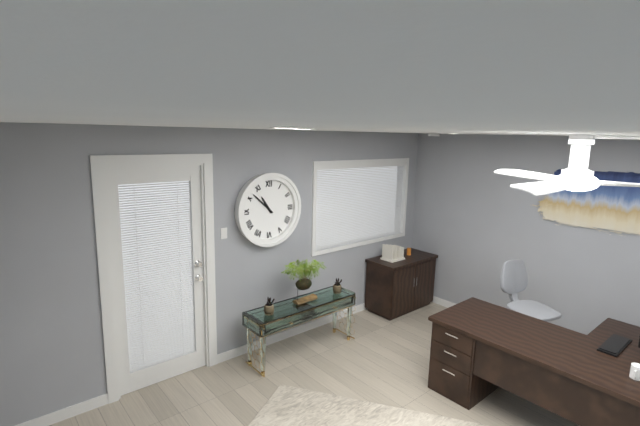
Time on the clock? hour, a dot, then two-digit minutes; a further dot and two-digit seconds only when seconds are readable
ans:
10.52
